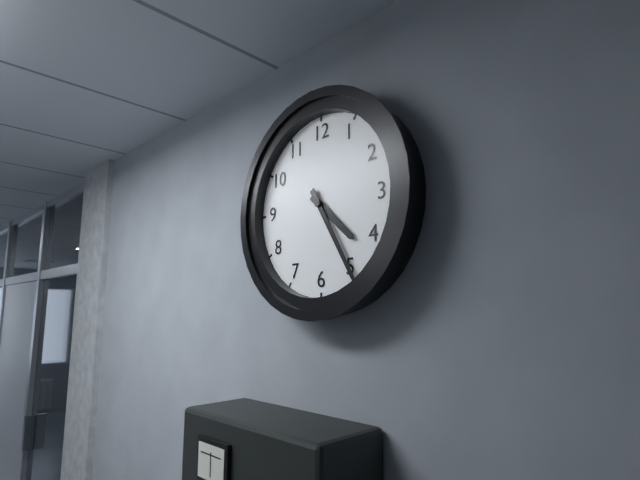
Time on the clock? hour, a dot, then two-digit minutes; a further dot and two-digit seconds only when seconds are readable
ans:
4.25
